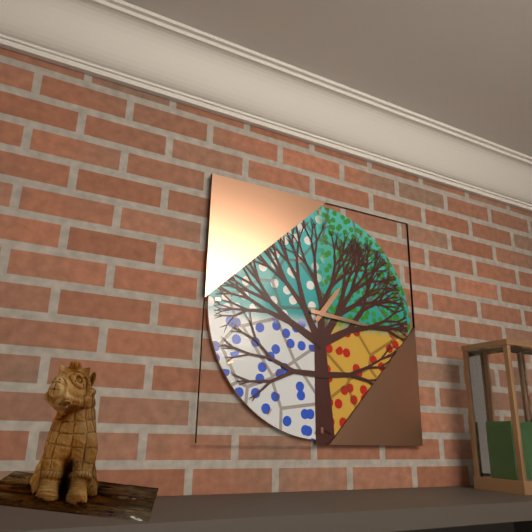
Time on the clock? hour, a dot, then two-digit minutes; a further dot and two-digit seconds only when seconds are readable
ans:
1.16
